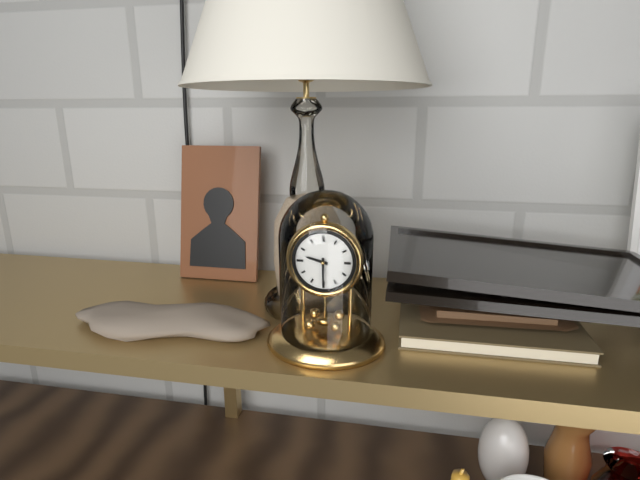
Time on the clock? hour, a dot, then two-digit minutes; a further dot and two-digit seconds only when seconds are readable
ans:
9.30
